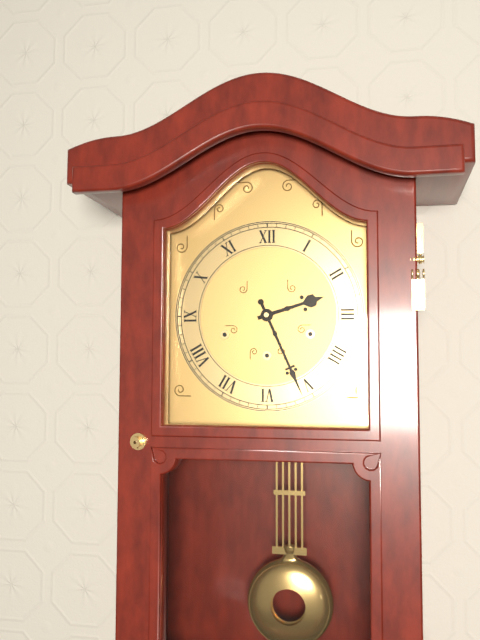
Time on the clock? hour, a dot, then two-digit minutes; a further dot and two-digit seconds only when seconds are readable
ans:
2.26
